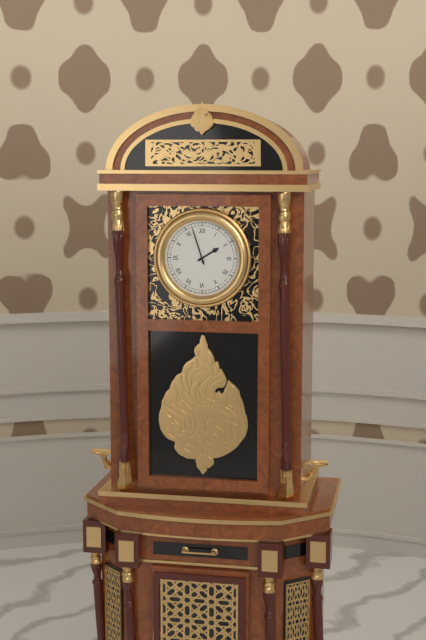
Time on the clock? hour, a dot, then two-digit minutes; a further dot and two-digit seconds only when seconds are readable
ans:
1.57
